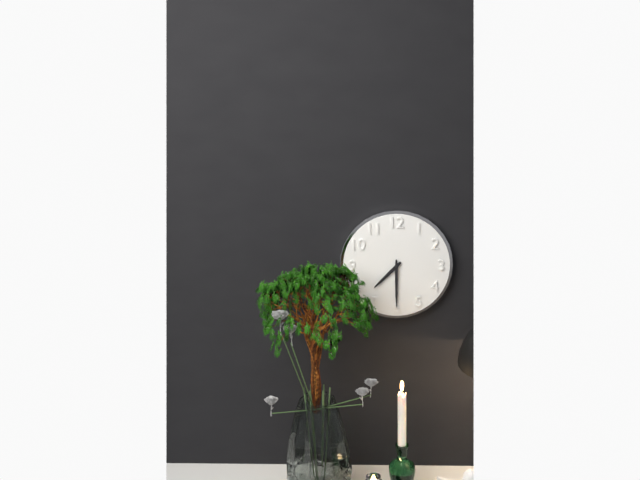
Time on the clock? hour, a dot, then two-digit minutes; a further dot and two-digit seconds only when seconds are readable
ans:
7.30
